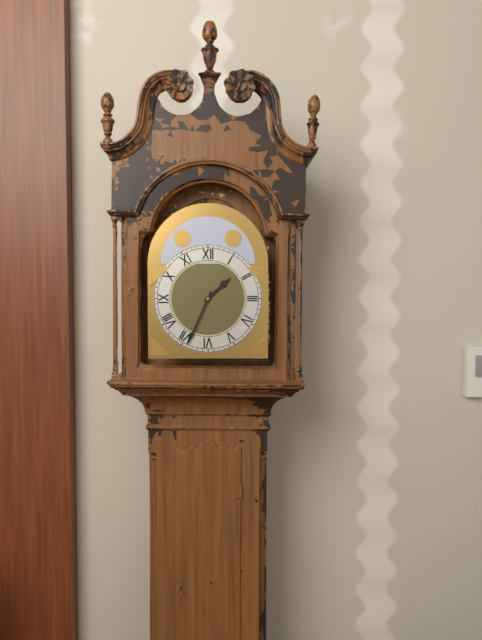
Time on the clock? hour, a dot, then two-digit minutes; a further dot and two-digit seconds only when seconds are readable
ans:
1.34
